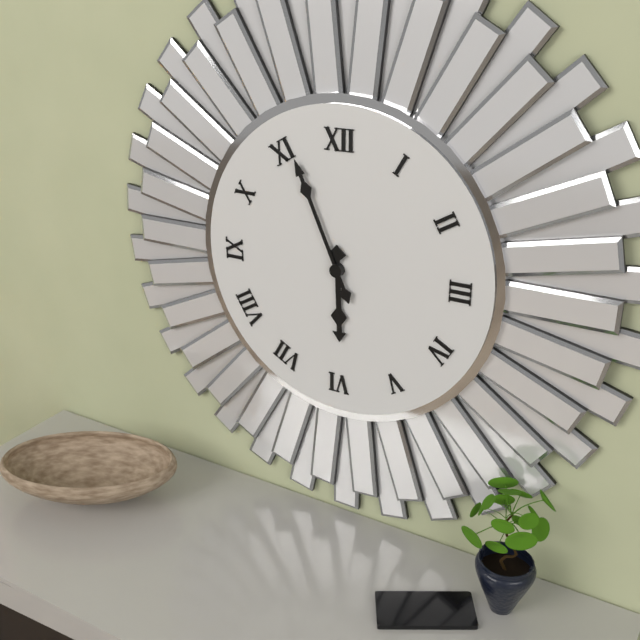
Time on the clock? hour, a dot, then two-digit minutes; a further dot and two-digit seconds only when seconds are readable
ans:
5.56
